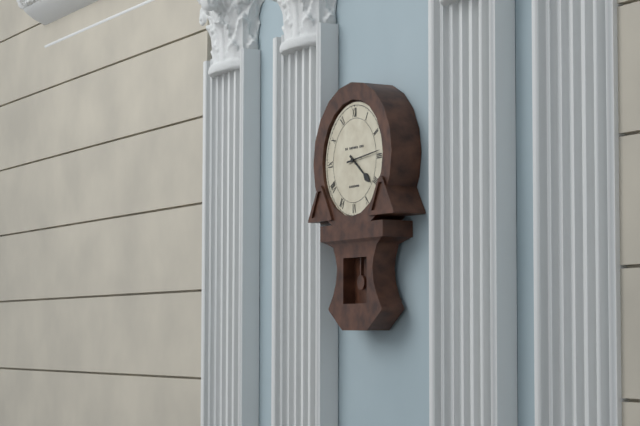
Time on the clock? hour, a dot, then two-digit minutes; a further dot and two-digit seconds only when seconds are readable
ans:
4.14
